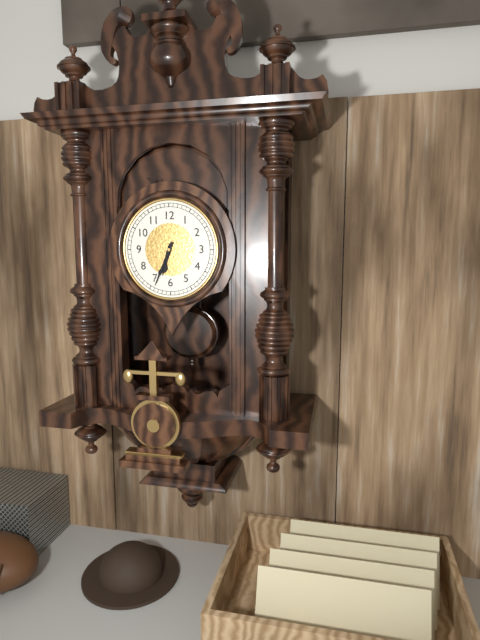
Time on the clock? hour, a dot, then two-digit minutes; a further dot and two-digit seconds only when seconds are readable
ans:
6.34
